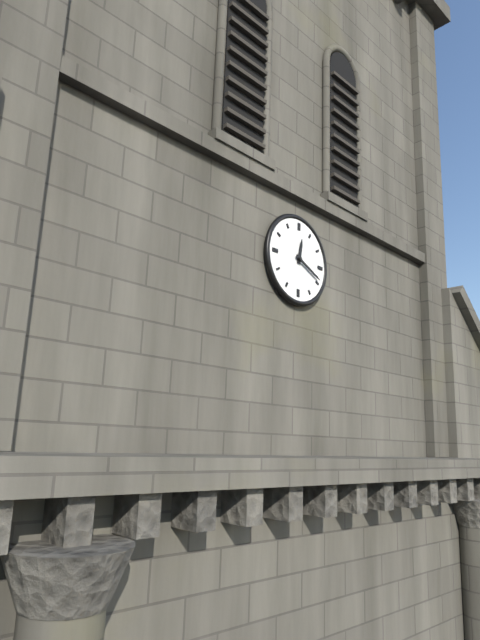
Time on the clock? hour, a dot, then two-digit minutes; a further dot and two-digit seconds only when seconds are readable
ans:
12.19
